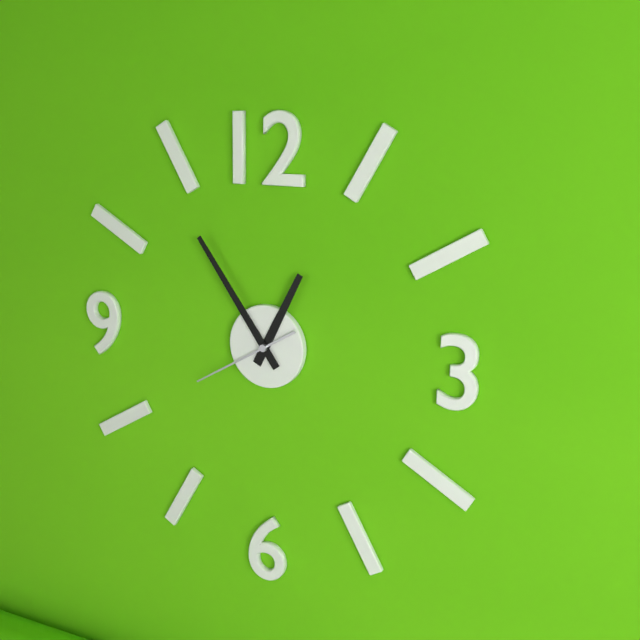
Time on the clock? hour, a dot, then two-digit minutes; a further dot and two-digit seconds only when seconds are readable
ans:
12.54.40
